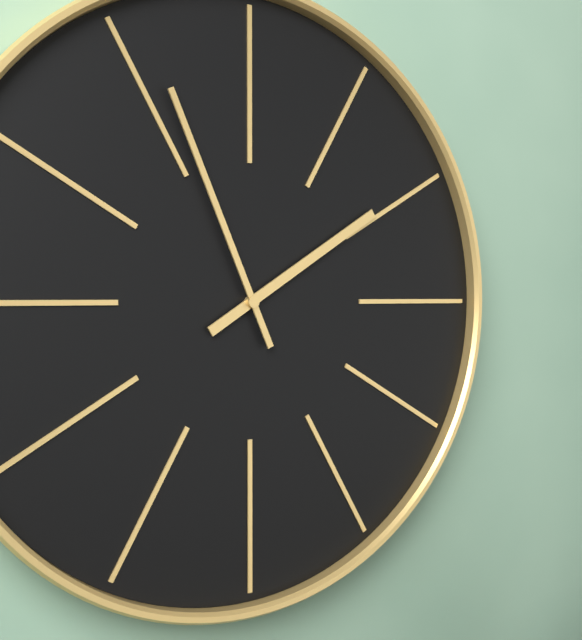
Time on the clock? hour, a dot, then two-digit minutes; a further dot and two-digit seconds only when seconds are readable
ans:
1.56
